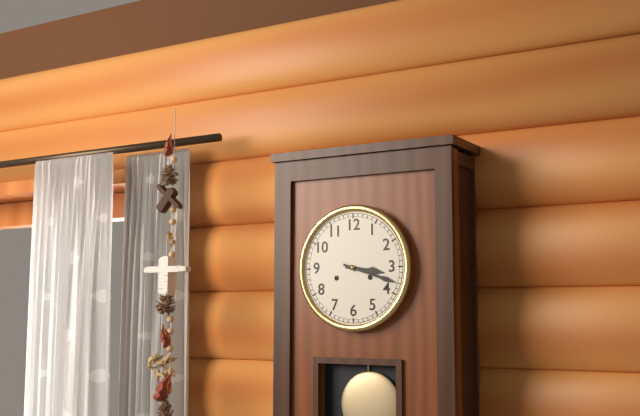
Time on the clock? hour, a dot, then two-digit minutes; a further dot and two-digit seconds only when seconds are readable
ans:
3.18
